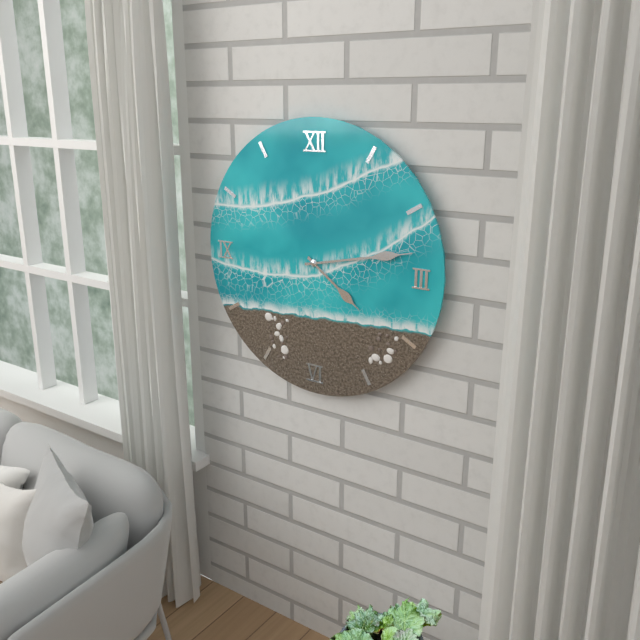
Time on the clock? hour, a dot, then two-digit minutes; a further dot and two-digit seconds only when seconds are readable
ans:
4.13
